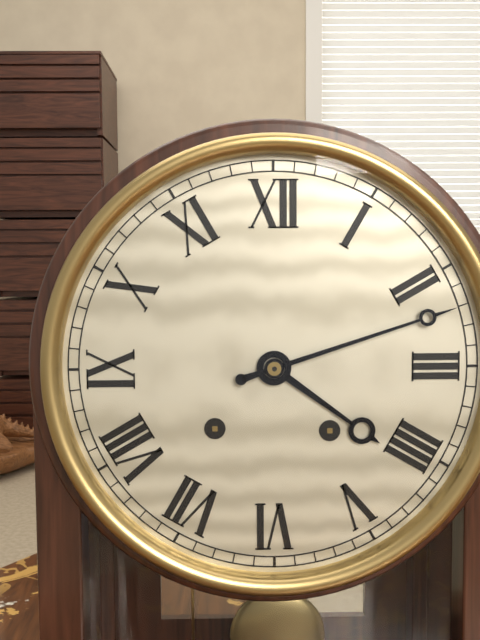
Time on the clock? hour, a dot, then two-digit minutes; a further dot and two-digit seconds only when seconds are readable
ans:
4.12
